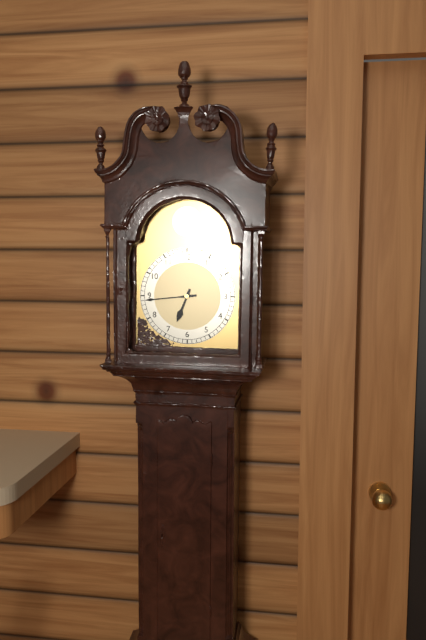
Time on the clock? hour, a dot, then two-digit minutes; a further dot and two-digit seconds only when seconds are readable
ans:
6.44
